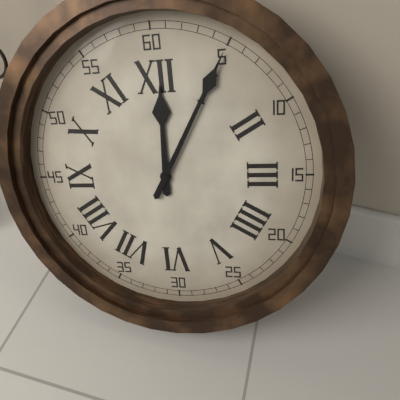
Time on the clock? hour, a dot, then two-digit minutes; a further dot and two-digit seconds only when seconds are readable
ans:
12.05
